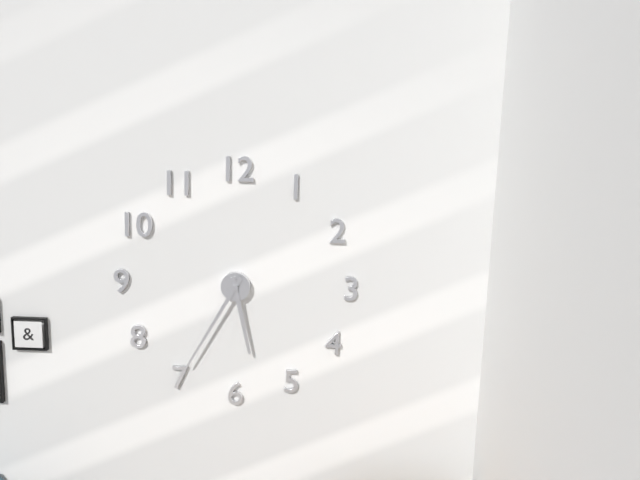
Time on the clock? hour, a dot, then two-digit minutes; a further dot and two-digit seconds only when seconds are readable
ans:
5.35
